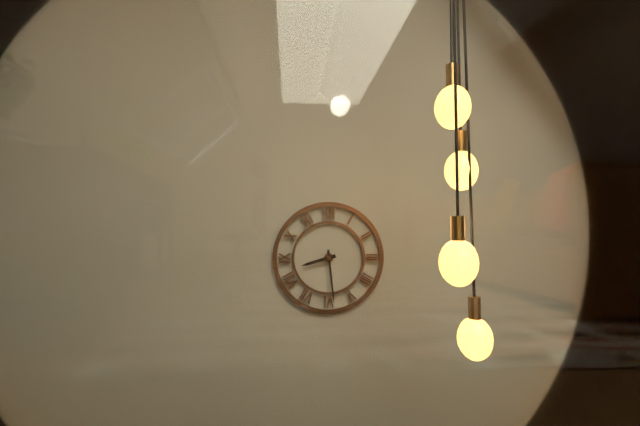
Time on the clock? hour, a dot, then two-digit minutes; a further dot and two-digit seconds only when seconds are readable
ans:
8.29
